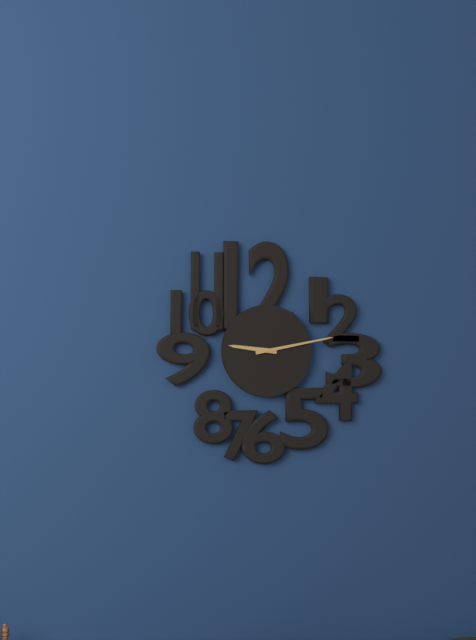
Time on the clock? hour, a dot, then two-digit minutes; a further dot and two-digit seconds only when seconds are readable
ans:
9.13
